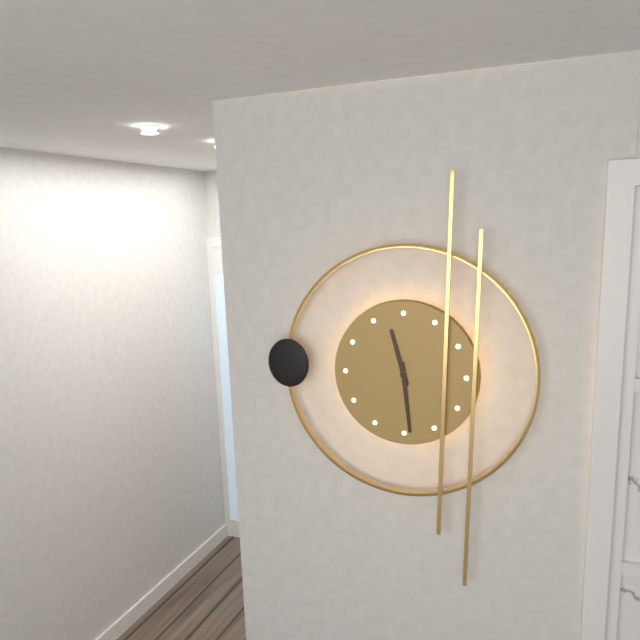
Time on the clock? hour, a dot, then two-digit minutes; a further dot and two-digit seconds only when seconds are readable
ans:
11.29
